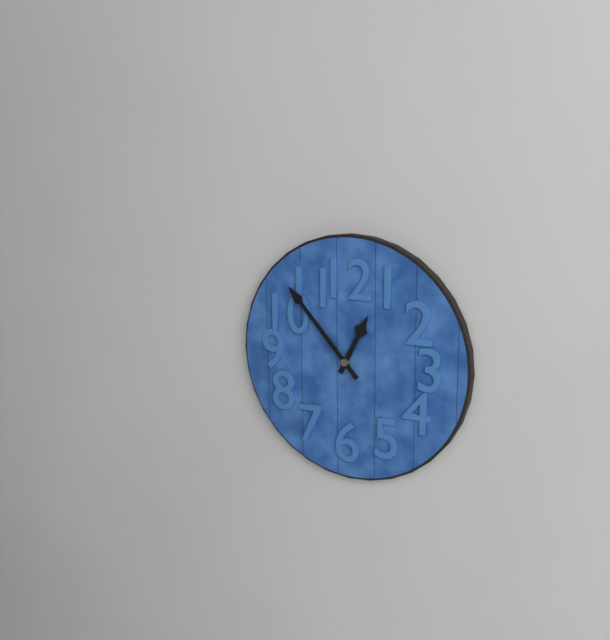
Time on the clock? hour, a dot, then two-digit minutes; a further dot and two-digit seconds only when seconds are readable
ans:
12.53
